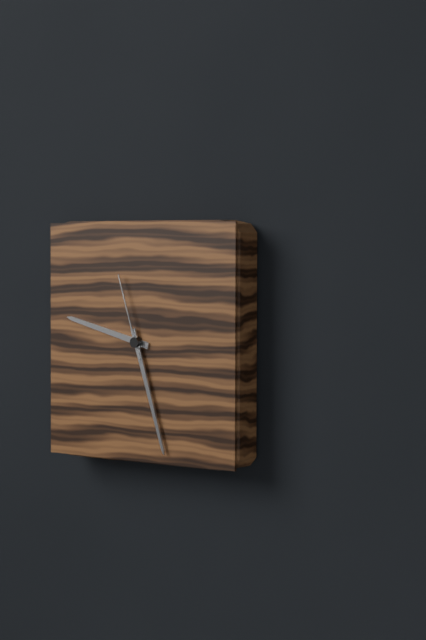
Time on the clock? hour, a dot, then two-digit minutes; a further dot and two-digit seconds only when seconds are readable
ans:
9.27.57
